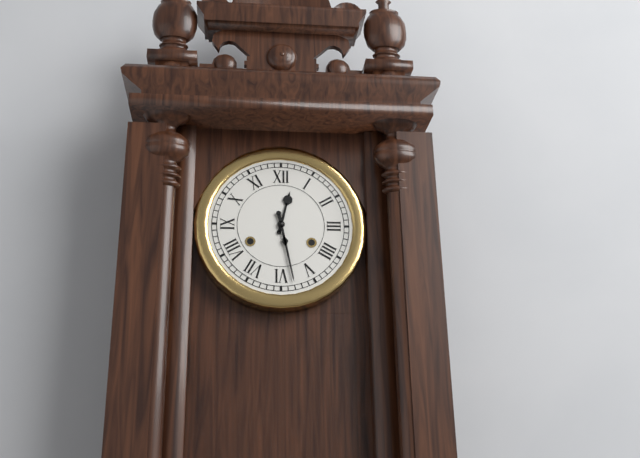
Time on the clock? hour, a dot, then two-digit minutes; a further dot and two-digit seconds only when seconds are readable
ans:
12.28
